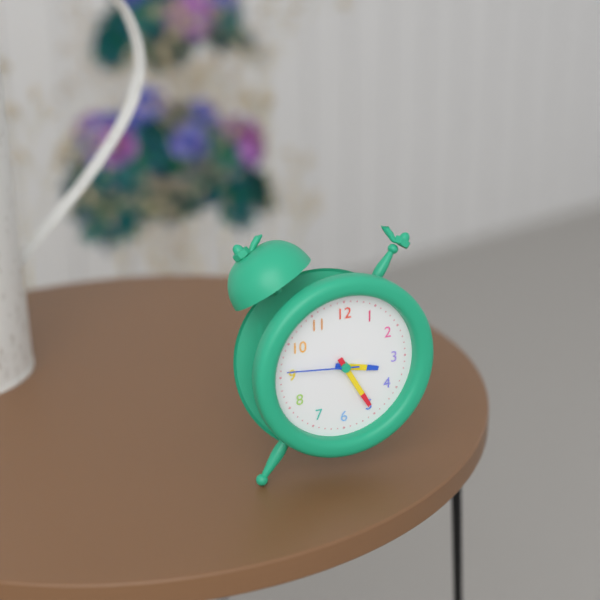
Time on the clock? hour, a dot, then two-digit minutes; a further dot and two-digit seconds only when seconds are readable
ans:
3.25.46
